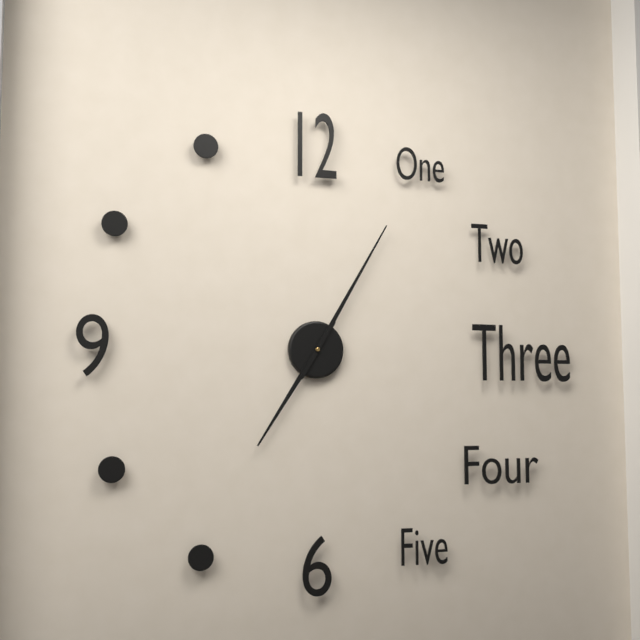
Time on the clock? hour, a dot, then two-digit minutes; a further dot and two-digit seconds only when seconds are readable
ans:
7.05
